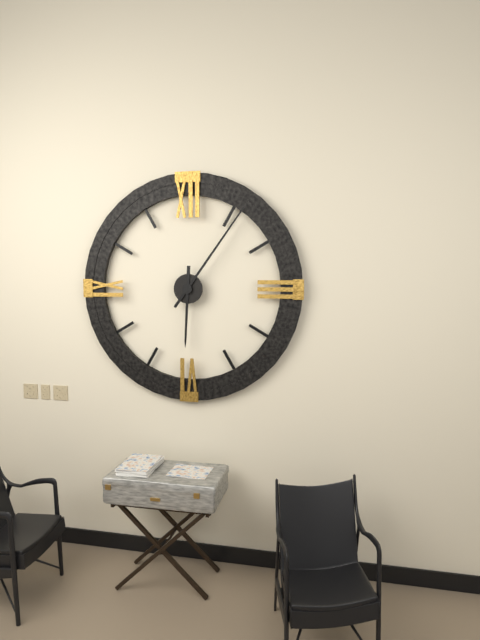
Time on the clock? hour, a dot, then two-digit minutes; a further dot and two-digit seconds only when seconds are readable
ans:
6.06
